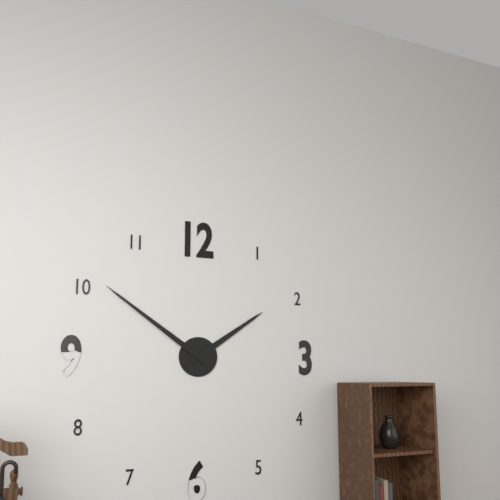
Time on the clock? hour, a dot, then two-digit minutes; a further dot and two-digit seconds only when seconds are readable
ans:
1.51
